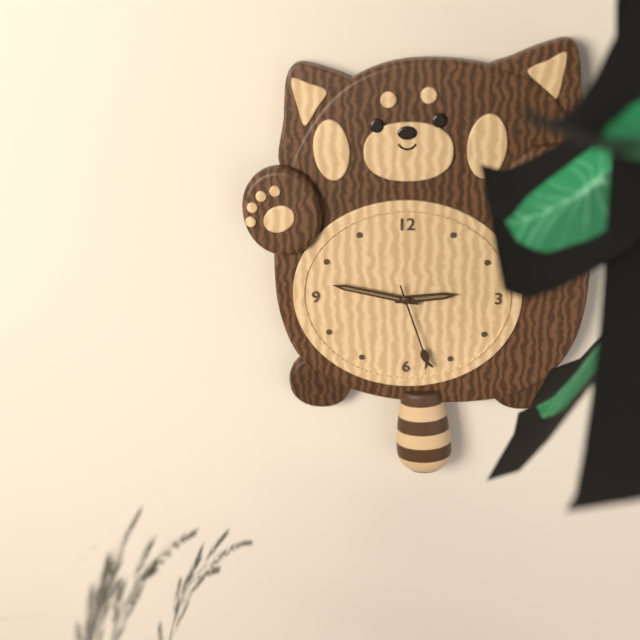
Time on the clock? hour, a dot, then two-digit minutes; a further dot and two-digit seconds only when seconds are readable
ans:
2.47.27
